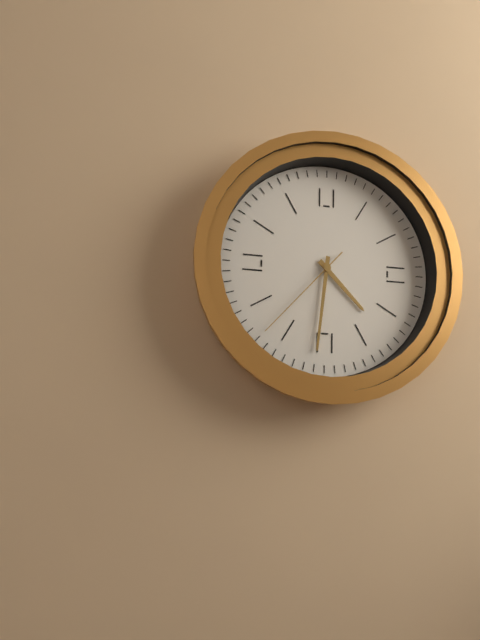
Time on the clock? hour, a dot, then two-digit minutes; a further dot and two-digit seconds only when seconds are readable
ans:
4.31.37
